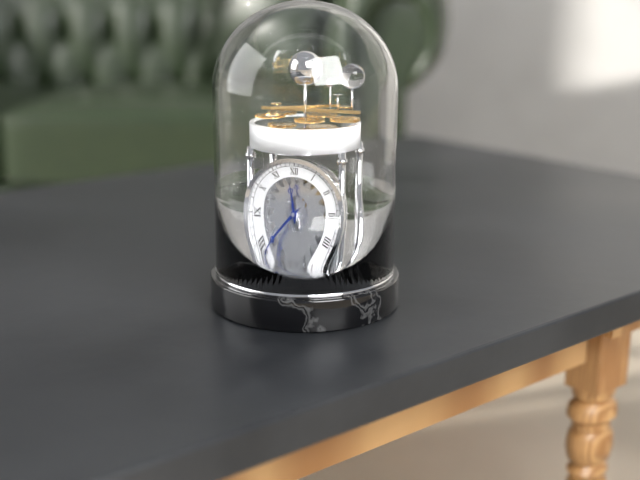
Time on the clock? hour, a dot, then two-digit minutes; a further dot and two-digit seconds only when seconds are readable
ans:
11.39
